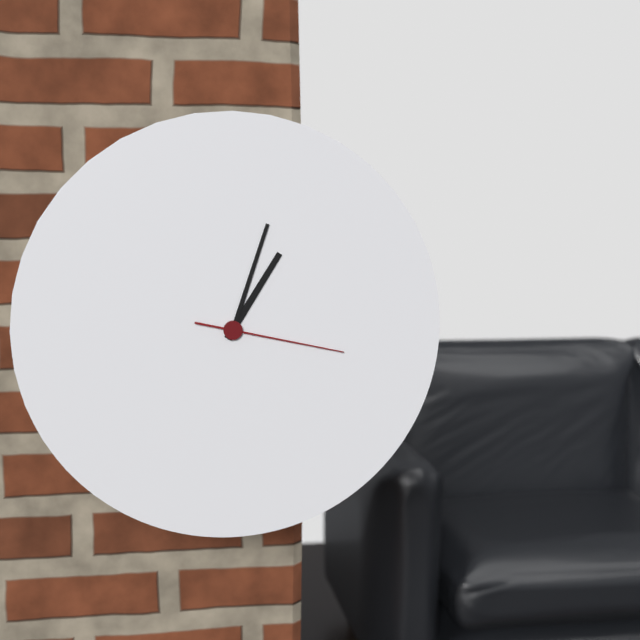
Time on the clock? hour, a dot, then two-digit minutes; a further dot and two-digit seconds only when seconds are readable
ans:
1.03.17
